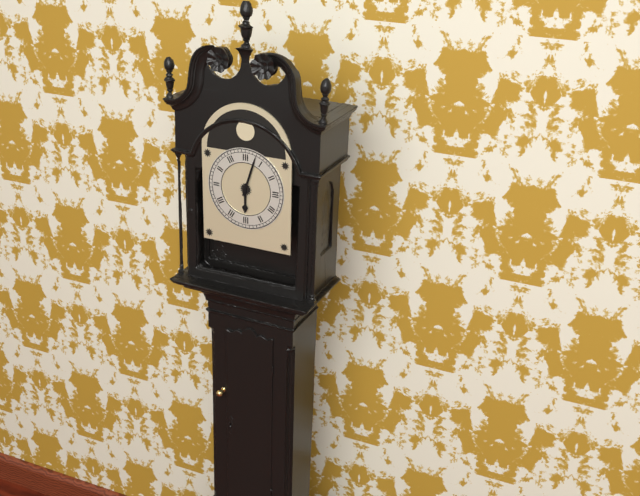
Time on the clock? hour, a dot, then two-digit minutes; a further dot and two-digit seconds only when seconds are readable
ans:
6.03
